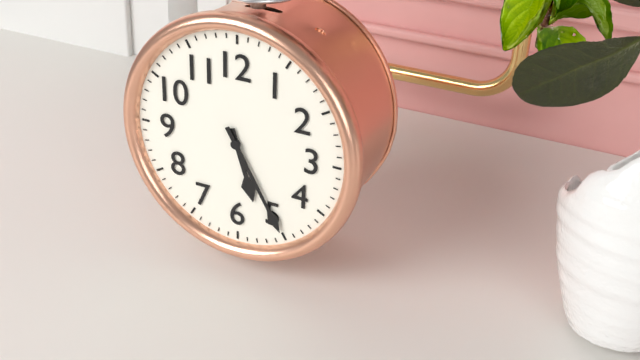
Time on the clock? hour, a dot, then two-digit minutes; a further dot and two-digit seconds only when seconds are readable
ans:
5.25
